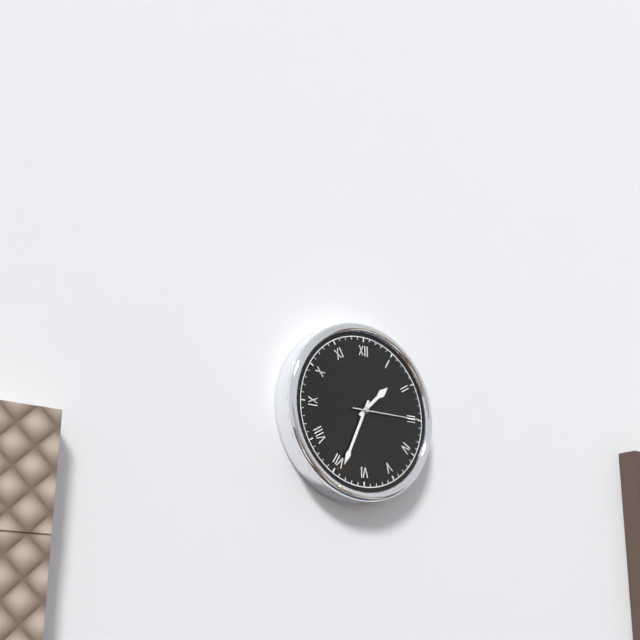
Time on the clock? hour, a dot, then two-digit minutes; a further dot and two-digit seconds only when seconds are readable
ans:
1.34.15
